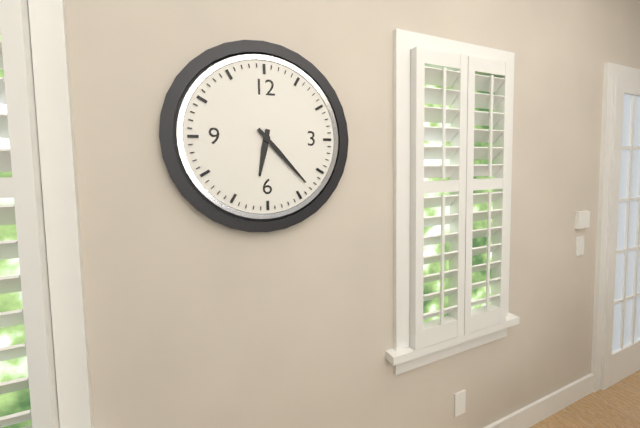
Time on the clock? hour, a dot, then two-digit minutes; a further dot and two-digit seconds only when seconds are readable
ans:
6.23
